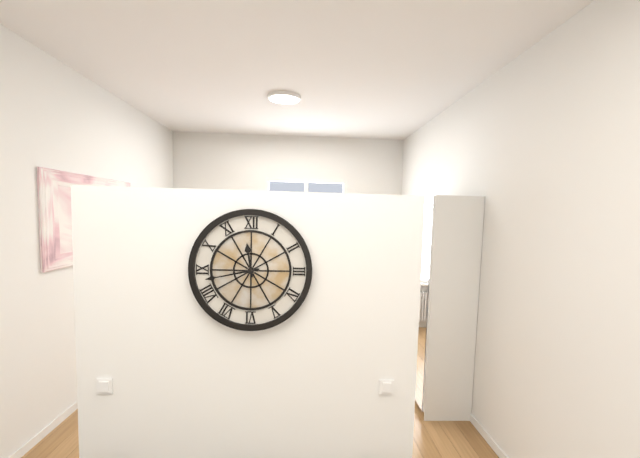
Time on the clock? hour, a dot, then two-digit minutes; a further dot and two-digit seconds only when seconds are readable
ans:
11.43
